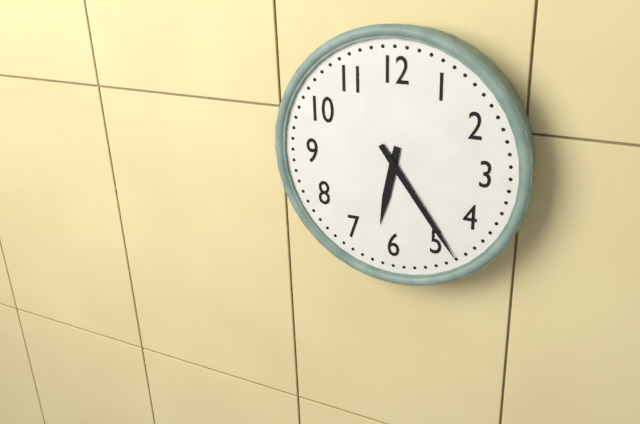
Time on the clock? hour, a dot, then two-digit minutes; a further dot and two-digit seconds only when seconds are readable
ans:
6.24
